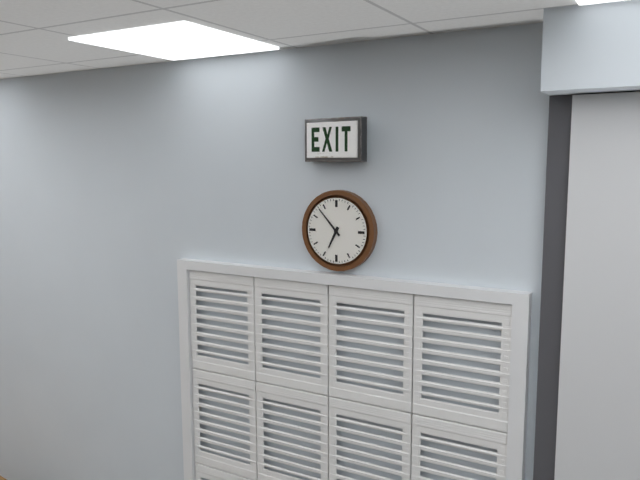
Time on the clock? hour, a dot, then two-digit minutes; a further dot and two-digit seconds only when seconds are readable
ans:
6.53
